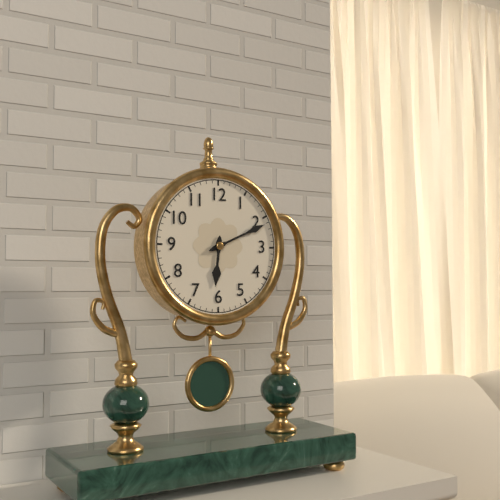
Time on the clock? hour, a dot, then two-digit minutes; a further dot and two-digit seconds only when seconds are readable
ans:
6.11
